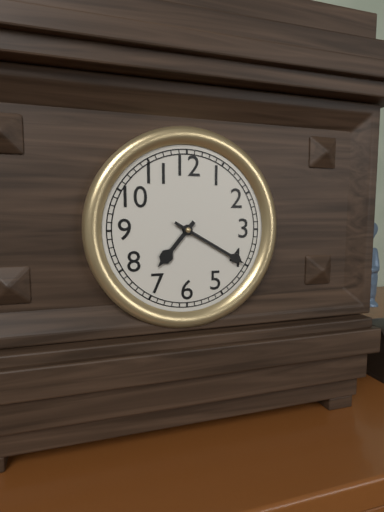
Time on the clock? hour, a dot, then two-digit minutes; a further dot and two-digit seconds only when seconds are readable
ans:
7.20
